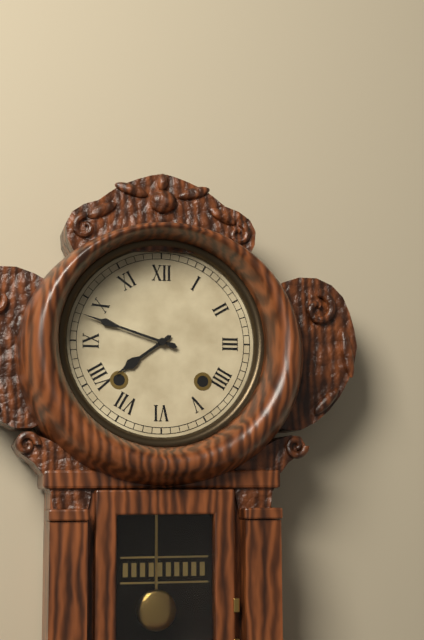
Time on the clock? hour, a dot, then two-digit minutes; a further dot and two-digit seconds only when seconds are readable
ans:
7.48
